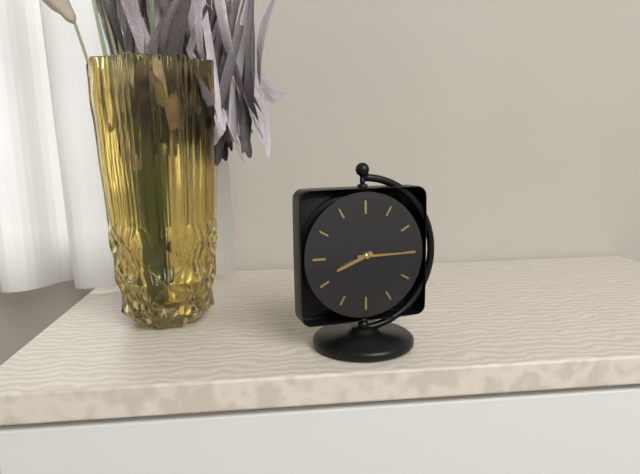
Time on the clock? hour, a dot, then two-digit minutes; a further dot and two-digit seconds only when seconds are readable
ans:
8.15
